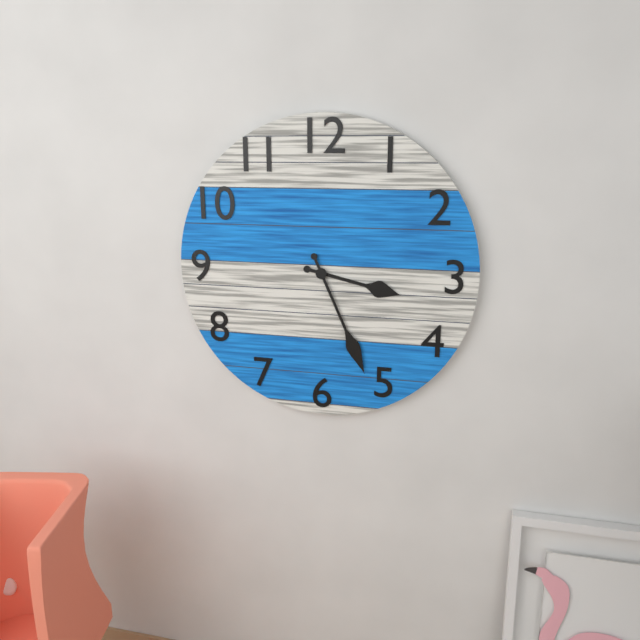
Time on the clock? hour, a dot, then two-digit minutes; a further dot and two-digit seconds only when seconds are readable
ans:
3.26
